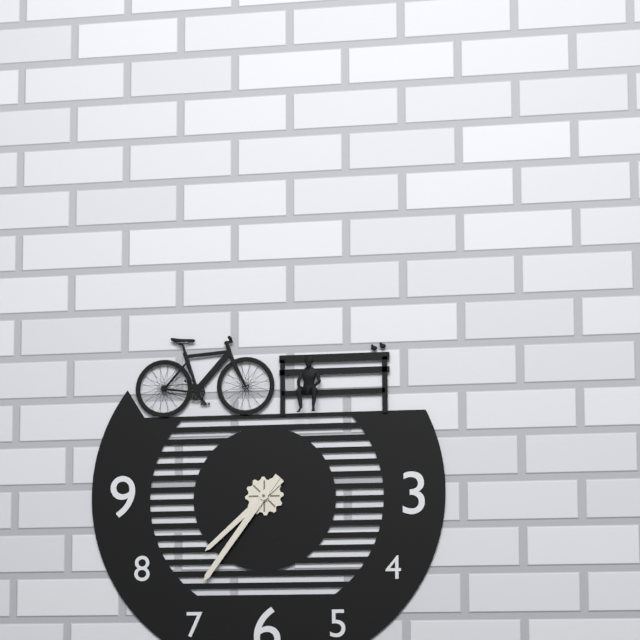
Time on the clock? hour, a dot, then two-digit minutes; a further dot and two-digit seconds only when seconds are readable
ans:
7.36
